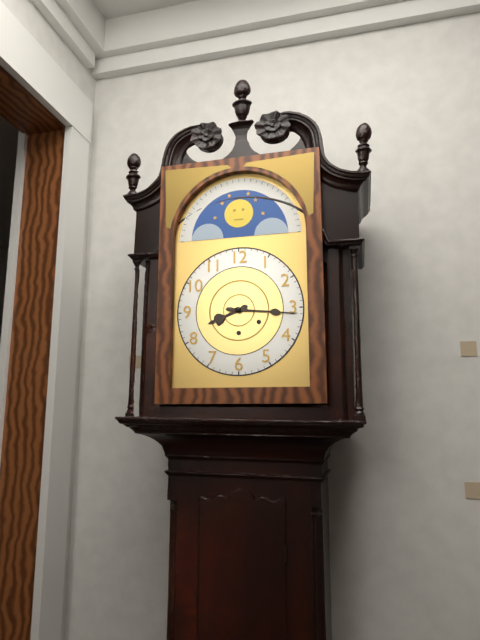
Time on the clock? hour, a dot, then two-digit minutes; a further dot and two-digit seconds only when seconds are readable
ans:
8.16
